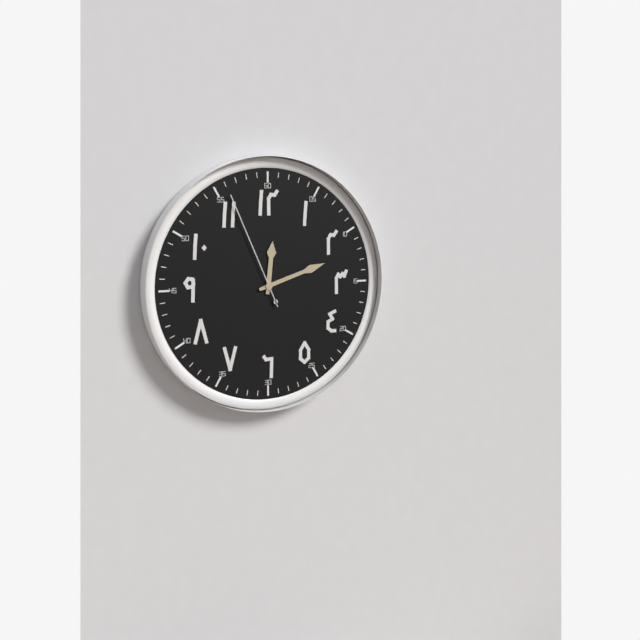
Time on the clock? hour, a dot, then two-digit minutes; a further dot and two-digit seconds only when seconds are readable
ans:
12.12.56
